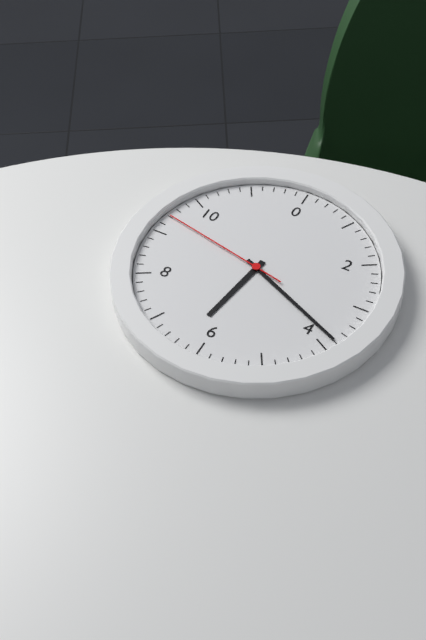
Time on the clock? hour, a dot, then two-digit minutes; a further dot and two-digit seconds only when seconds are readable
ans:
6.19.47
